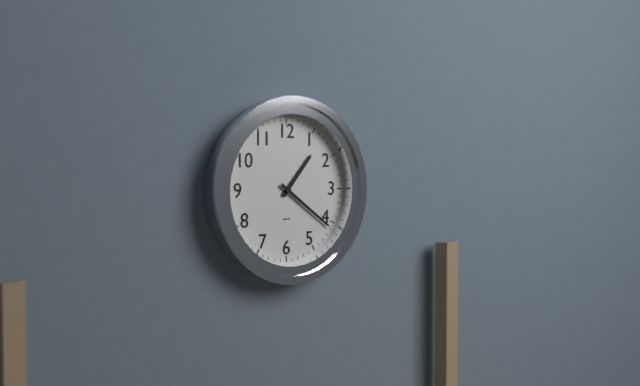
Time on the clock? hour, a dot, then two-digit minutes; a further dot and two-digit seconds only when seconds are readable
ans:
1.21
